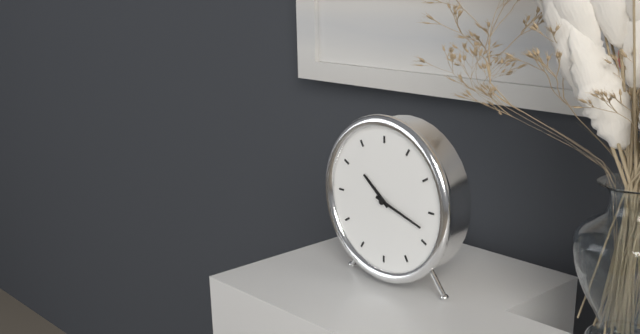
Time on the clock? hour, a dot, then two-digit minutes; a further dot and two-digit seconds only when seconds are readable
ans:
10.18
